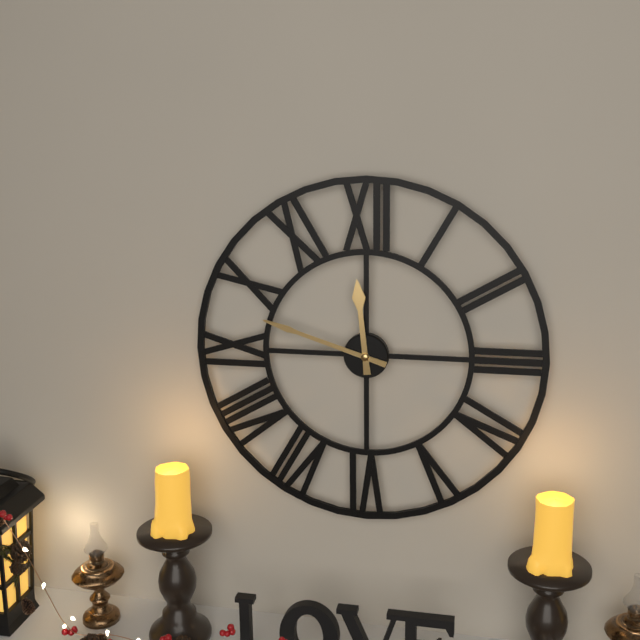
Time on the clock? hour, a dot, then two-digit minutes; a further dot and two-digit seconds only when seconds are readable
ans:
11.48
